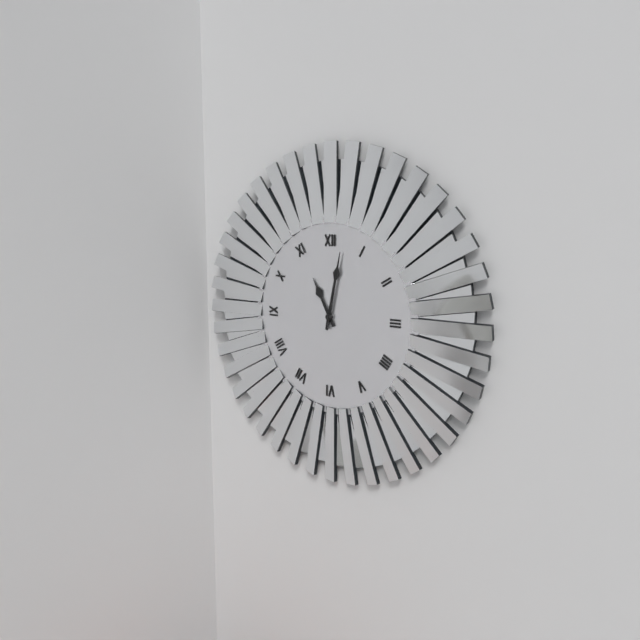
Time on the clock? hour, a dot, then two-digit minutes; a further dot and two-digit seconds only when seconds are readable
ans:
11.02
